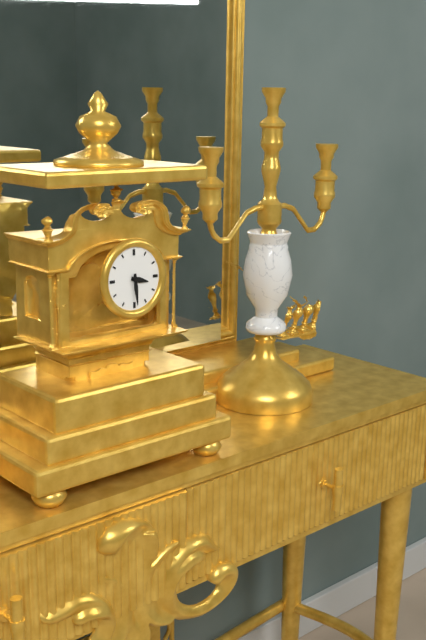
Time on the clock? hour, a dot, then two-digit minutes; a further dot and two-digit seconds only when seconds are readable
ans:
3.29
